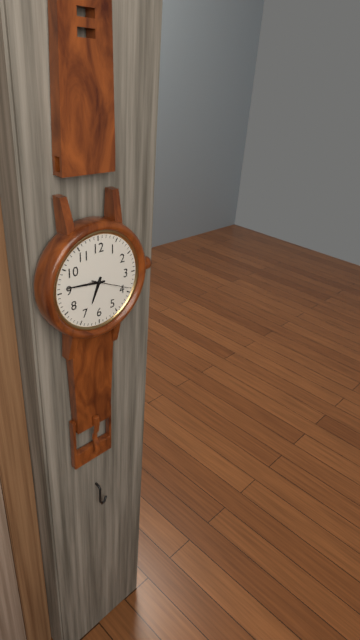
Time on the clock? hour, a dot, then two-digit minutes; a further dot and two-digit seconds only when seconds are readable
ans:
6.46
